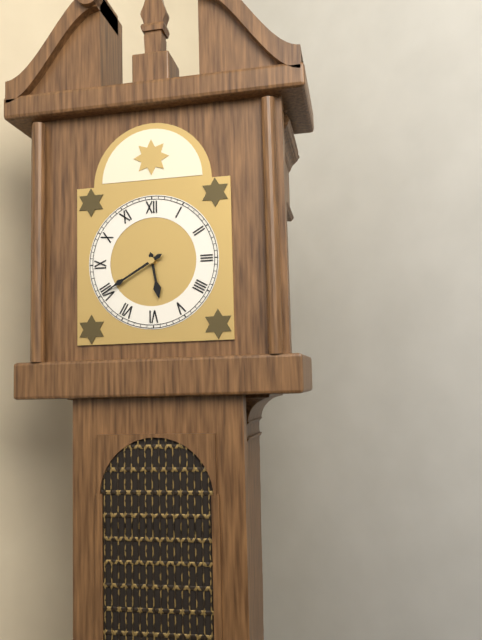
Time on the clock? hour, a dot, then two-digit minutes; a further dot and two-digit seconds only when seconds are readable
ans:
5.40
